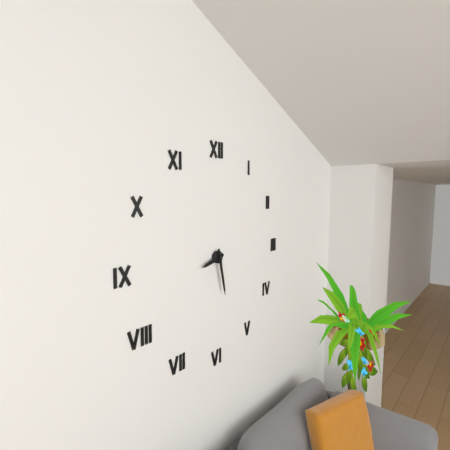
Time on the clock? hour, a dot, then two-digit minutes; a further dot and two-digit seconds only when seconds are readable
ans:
8.28
